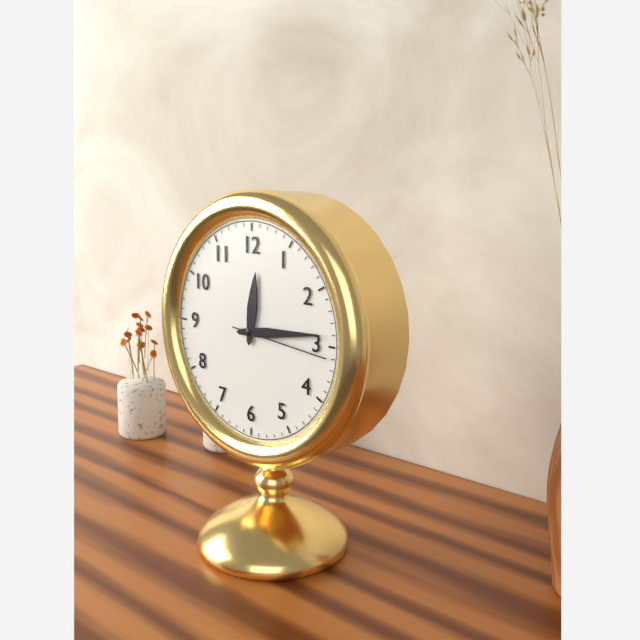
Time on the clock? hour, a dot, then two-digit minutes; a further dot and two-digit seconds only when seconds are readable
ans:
12.14.16
